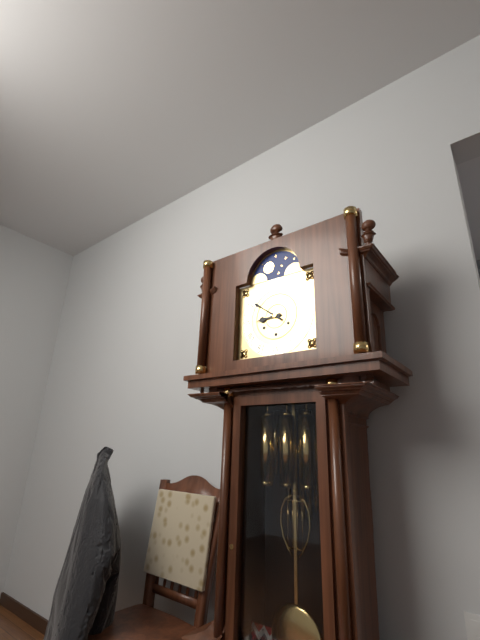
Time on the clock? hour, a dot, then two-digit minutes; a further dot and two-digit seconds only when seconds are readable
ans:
8.51
